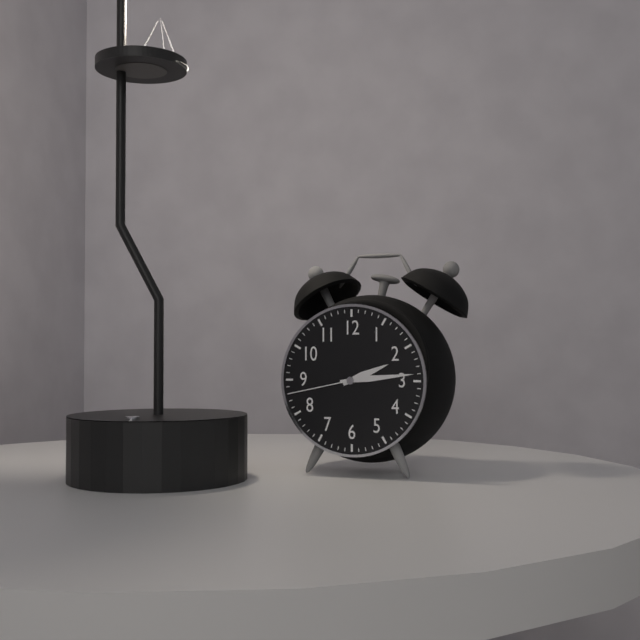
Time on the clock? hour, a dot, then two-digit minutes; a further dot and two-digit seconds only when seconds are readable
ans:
2.14.43
